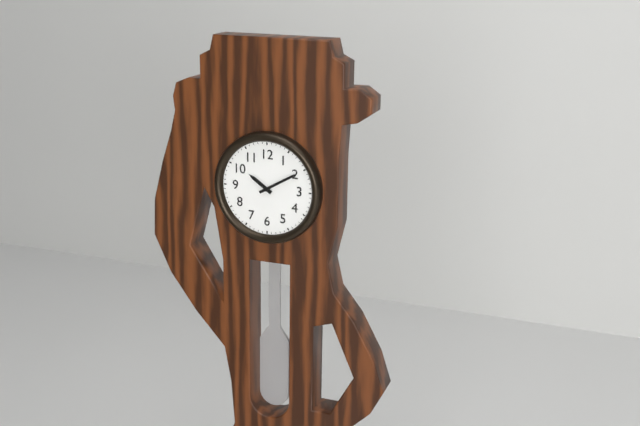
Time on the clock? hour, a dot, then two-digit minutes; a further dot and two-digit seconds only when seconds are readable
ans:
10.10
